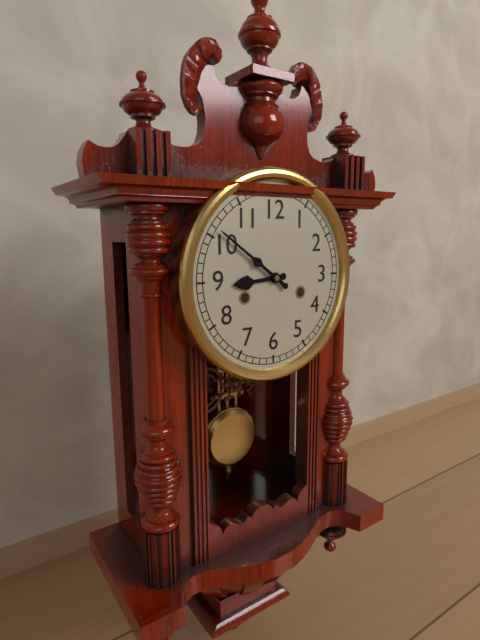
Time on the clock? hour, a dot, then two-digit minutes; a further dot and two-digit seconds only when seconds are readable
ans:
8.51
